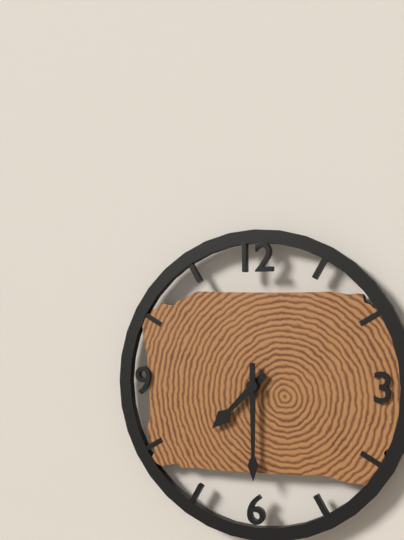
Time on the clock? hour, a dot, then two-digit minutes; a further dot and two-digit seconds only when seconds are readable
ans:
7.30
